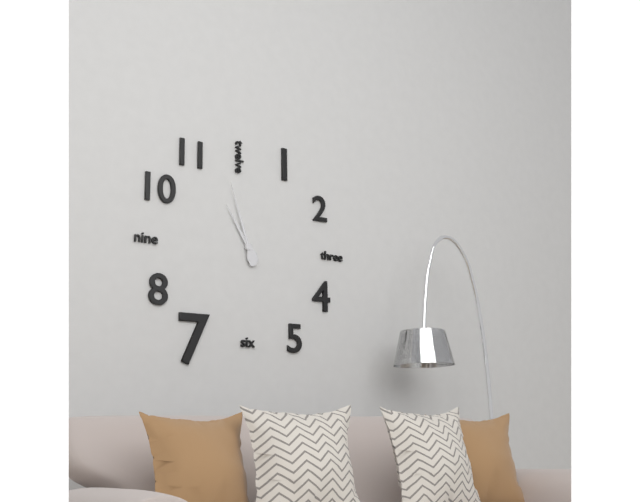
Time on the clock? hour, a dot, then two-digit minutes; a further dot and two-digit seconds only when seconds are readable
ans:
10.57
